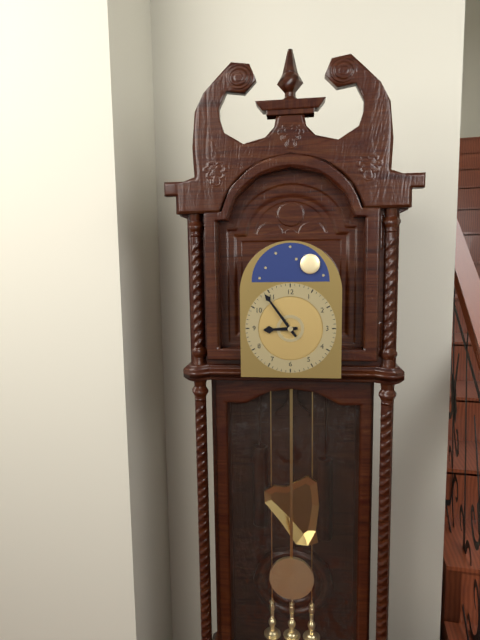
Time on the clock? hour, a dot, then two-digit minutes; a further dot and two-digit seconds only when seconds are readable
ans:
8.54
